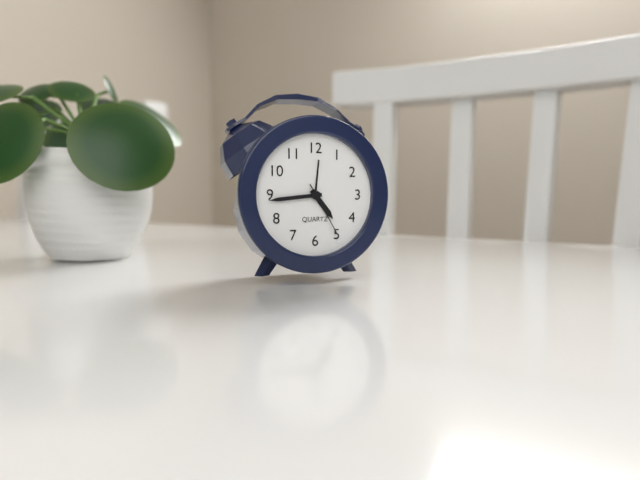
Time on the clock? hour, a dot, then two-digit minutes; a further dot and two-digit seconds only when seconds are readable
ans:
4.44.25
